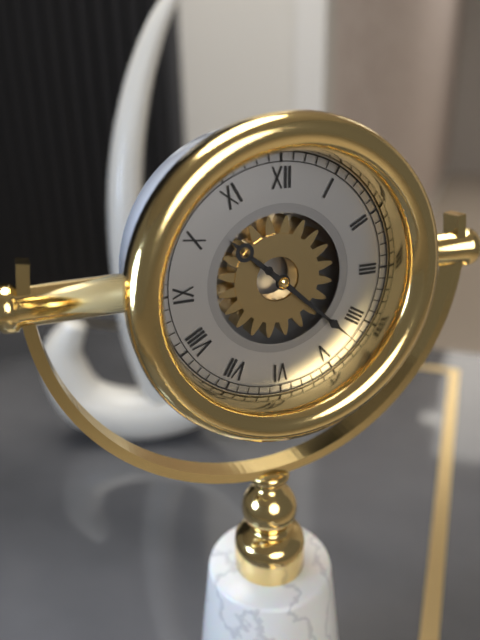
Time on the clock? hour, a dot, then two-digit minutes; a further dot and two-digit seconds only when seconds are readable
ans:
10.22
